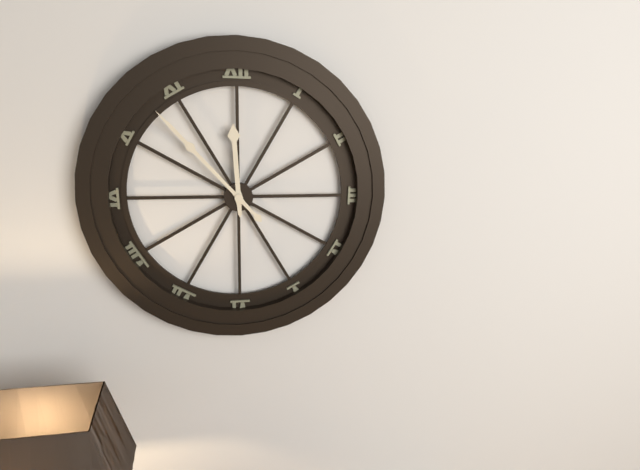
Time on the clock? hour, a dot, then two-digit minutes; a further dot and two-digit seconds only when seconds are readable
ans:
11.53
